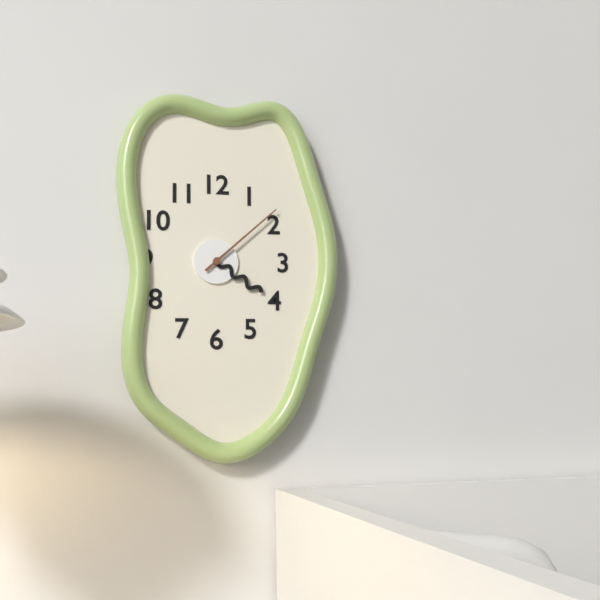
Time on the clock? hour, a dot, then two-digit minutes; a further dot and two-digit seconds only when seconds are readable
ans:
4.08
